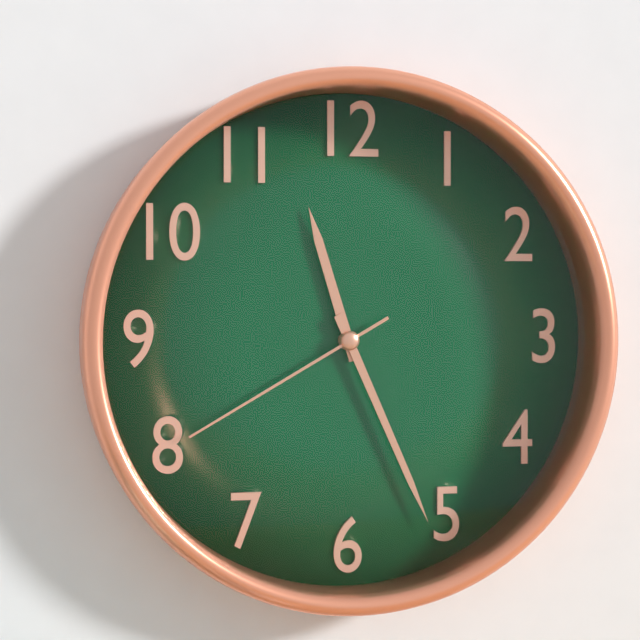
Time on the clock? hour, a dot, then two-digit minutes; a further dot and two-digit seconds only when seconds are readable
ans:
11.26.40
